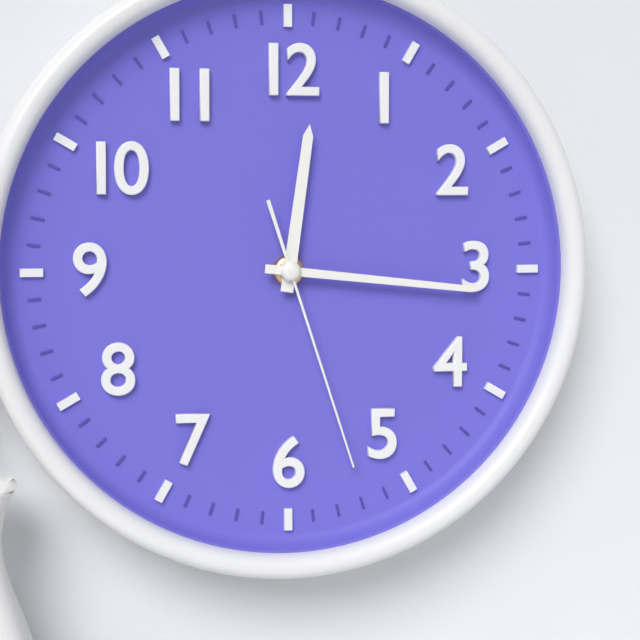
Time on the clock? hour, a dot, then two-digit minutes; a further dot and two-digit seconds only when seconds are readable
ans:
12.16.27
